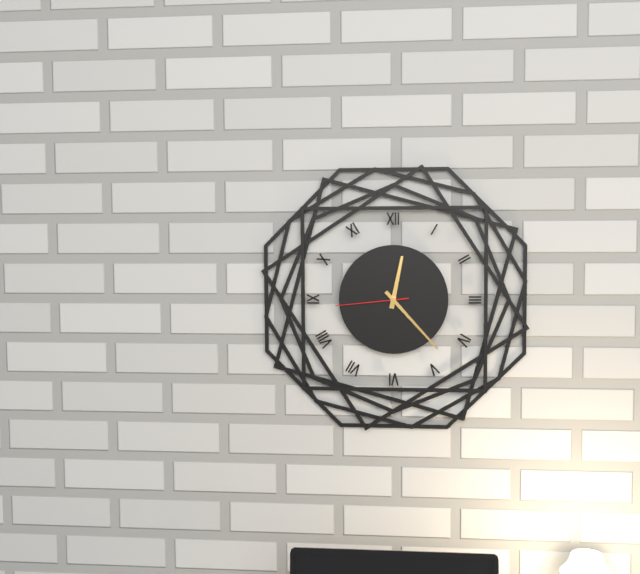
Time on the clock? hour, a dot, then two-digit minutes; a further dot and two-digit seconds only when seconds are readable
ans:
12.23.44
